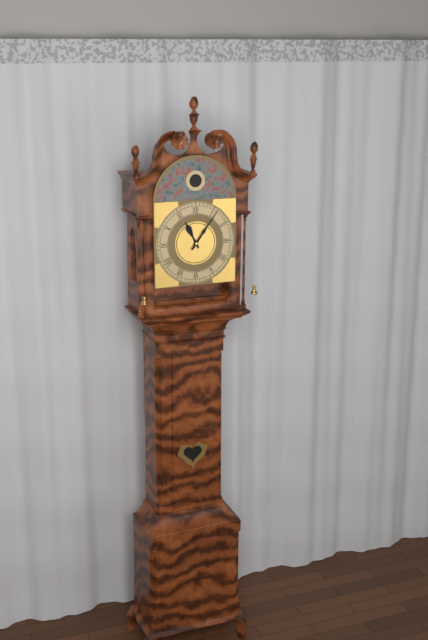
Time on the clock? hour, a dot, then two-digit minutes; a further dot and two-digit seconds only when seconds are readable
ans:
11.06
